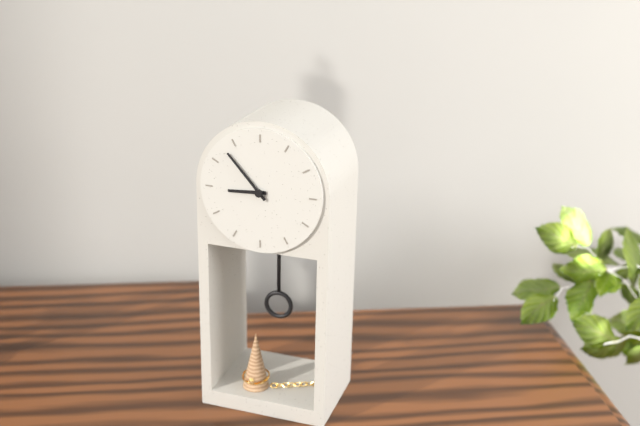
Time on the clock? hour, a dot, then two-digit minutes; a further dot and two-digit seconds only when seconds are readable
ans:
8.53
